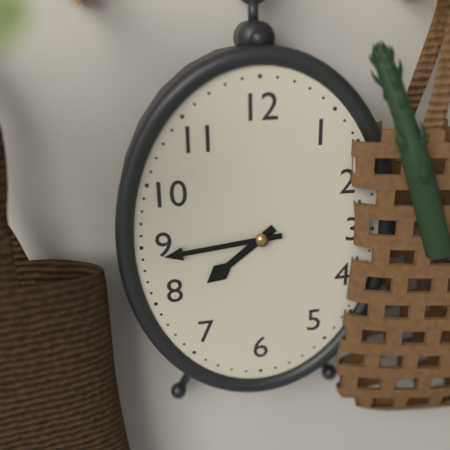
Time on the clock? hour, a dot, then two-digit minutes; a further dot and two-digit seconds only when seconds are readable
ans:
7.44
